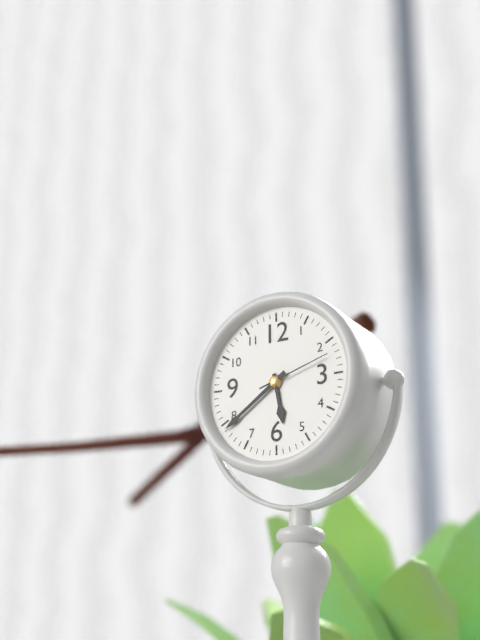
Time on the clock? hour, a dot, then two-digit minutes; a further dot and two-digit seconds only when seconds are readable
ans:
5.39.12
